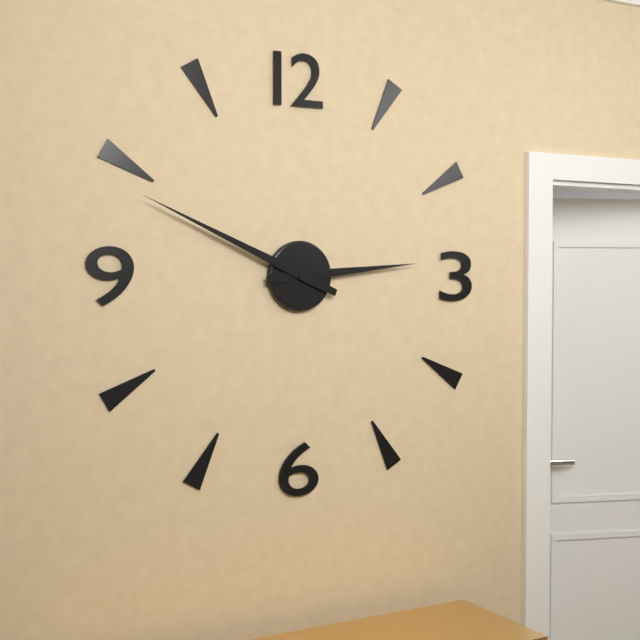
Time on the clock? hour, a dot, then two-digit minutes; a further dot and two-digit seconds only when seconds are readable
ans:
2.49
